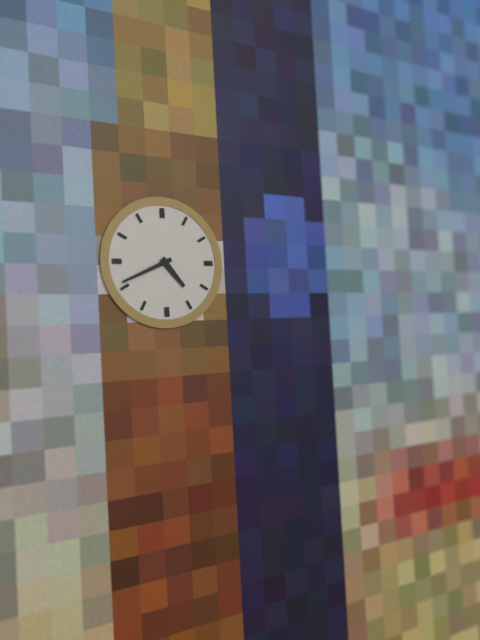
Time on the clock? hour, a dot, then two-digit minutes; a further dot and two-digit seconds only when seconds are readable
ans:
4.41
